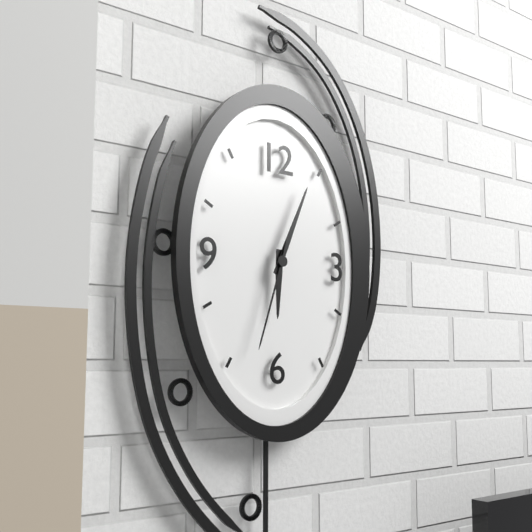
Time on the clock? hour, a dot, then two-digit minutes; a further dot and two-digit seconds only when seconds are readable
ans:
6.04.33
